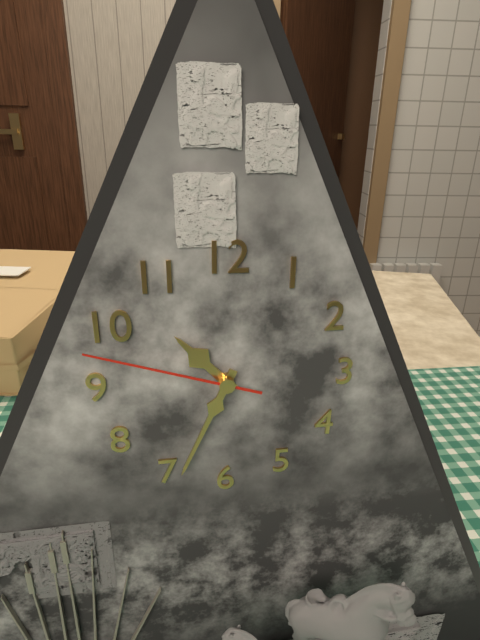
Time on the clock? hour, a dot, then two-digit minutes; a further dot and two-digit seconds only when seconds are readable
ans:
10.34.48
